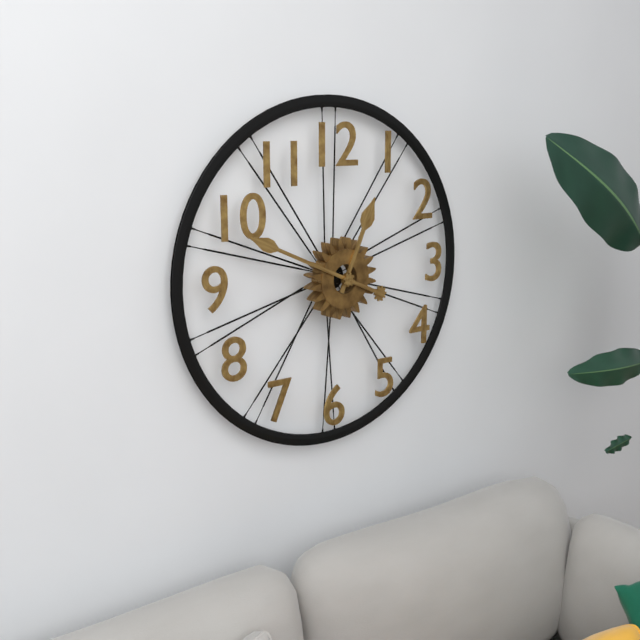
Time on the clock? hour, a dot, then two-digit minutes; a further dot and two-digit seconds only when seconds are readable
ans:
12.49
